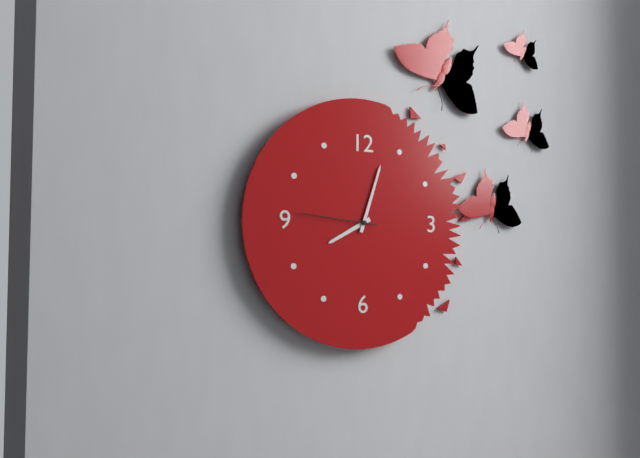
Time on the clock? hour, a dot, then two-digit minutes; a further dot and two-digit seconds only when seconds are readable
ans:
8.03.46
